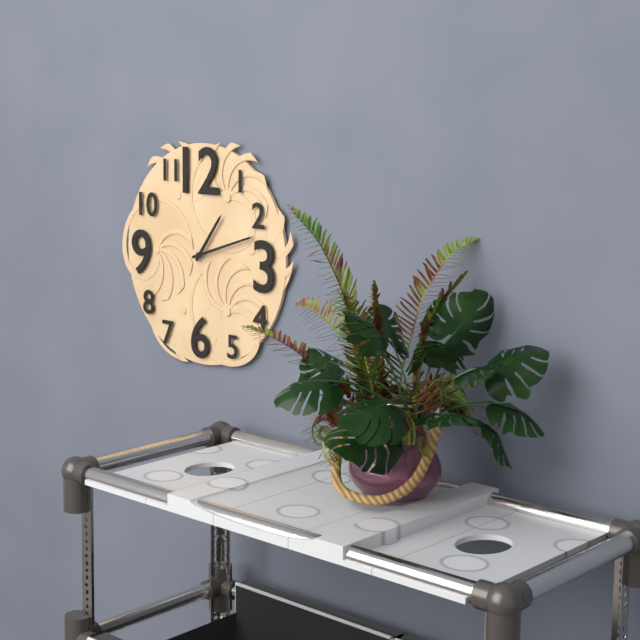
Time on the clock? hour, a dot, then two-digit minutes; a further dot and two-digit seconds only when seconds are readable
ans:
1.12
